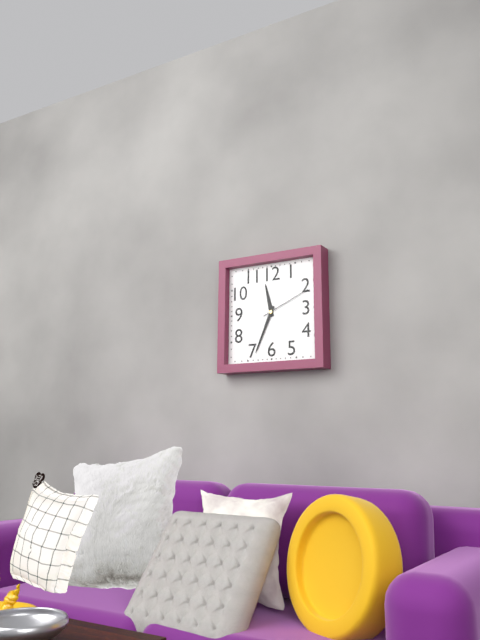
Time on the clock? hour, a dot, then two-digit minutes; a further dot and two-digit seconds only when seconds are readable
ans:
11.34.11
